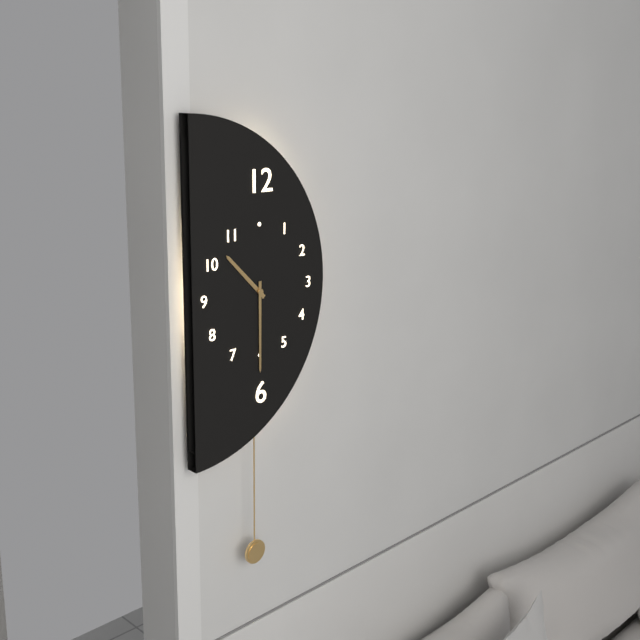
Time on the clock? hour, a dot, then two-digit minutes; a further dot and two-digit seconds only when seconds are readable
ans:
10.30
